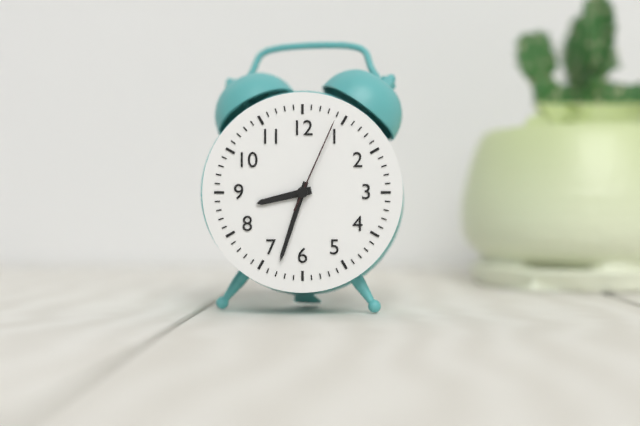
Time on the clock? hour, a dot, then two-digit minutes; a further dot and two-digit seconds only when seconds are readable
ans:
8.33.04
